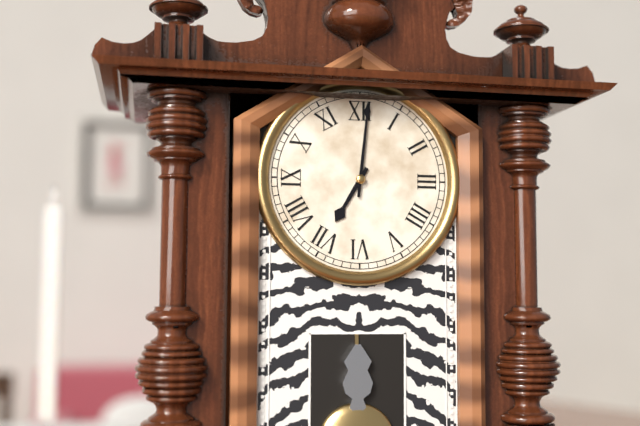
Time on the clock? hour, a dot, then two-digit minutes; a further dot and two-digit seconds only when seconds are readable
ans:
7.01
